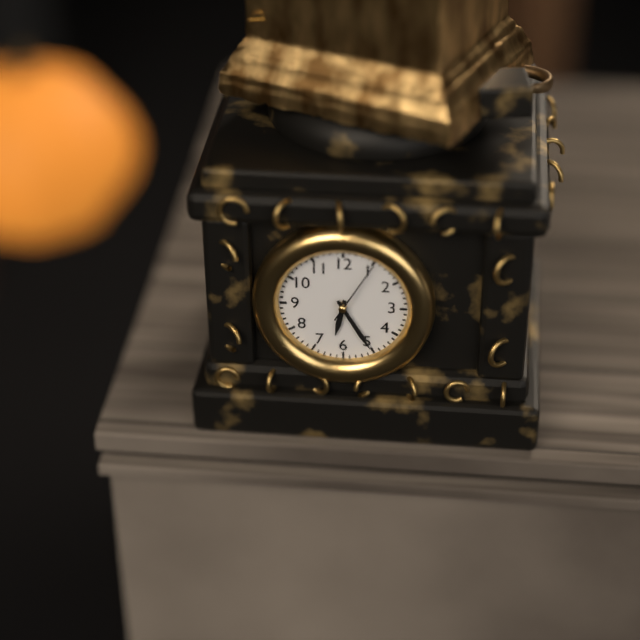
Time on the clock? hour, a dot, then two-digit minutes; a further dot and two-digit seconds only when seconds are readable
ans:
6.25.05
